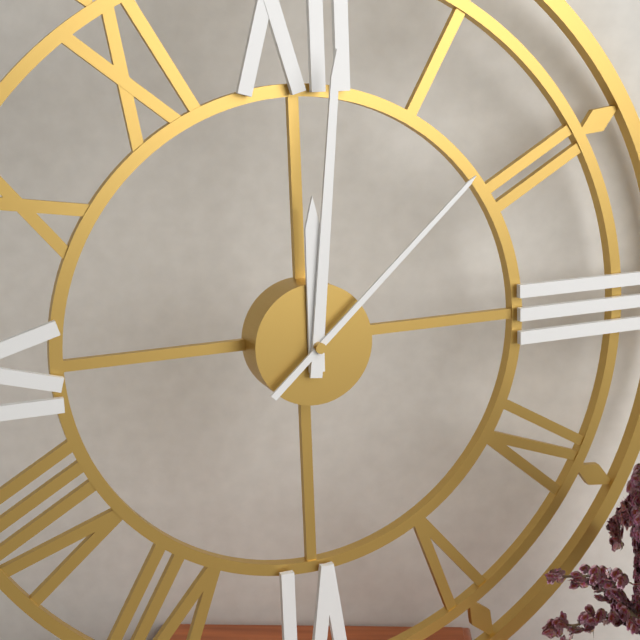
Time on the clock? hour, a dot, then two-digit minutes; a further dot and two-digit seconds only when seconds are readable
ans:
12.01.08
